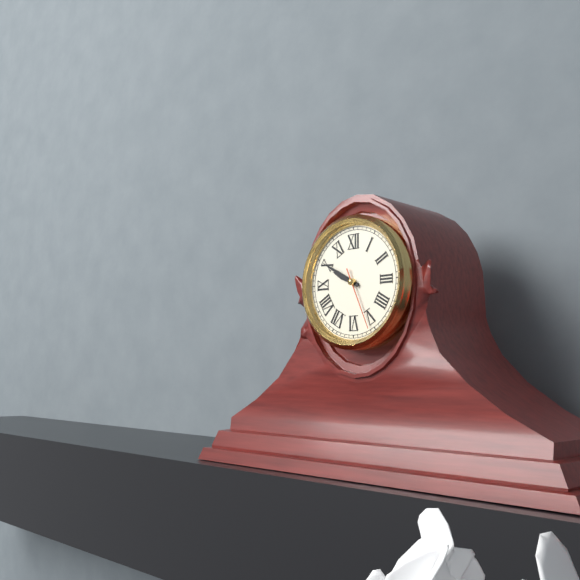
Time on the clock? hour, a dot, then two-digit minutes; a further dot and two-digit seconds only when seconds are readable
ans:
9.50.26
